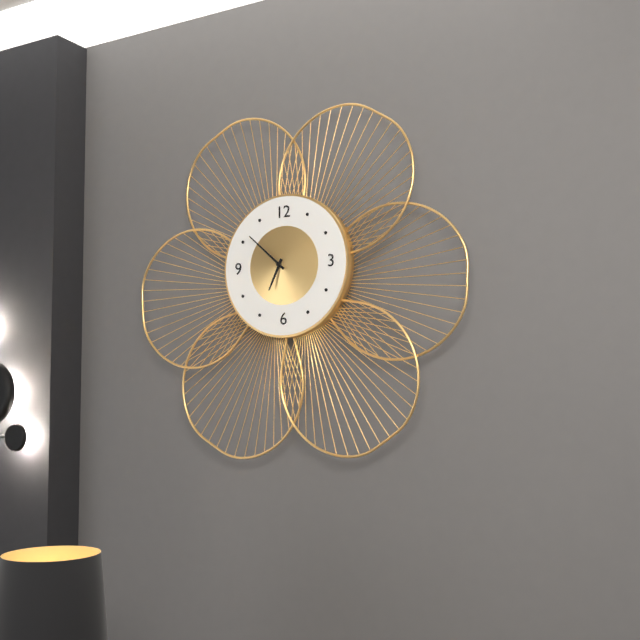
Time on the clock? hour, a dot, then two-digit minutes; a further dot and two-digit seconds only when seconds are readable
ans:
6.52
